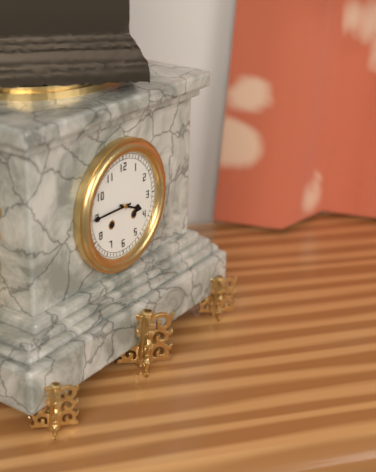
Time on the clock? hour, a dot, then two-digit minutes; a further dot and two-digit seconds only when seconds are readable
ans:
3.45
